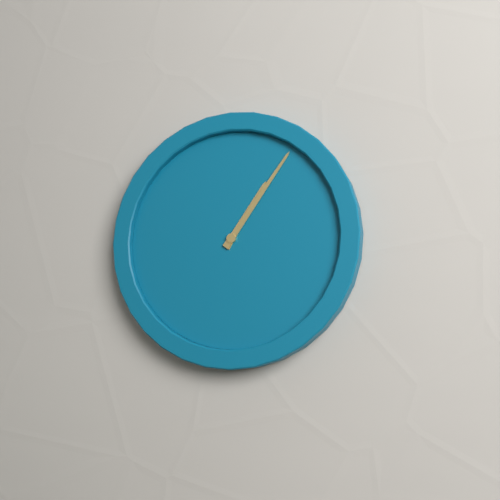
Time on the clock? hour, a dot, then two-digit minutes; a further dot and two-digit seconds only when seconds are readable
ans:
1.06
